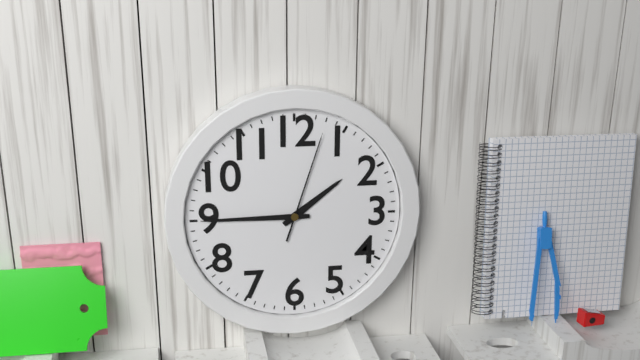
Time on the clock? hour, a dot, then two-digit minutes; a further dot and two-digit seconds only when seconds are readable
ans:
1.45.03
